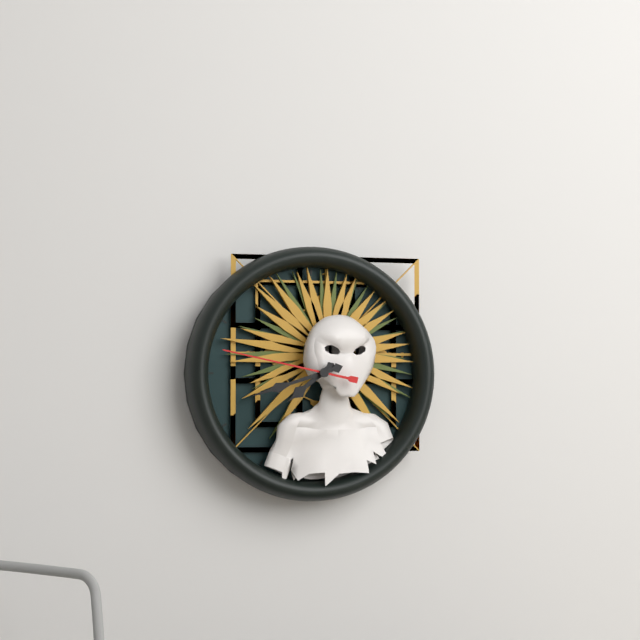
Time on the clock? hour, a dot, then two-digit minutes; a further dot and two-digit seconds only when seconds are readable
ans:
7.42.47
